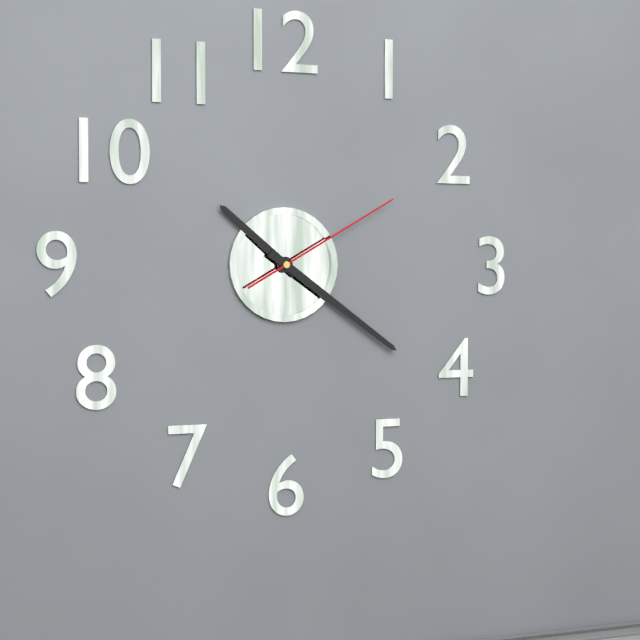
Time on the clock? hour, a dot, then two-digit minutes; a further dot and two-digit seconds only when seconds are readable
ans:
10.21.10
